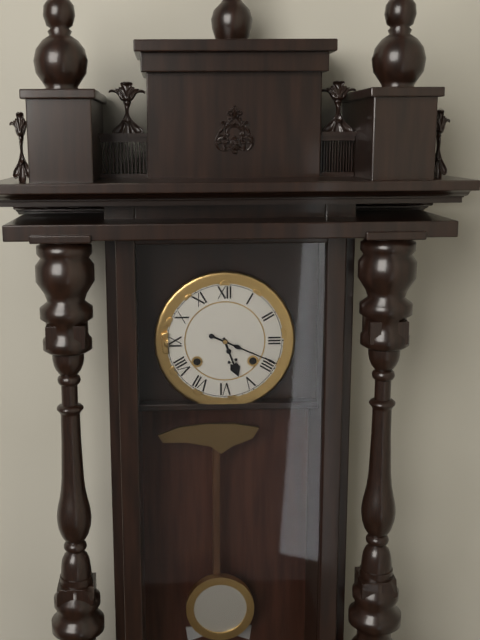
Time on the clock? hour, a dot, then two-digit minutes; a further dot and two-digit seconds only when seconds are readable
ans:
5.19
